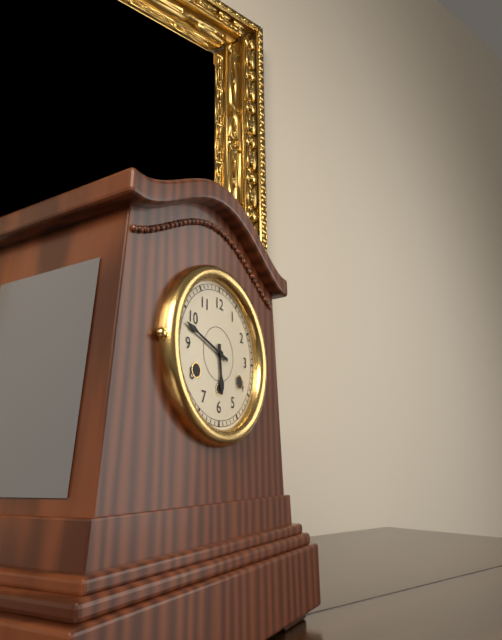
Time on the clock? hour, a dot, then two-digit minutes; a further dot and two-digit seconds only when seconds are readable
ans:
5.48
